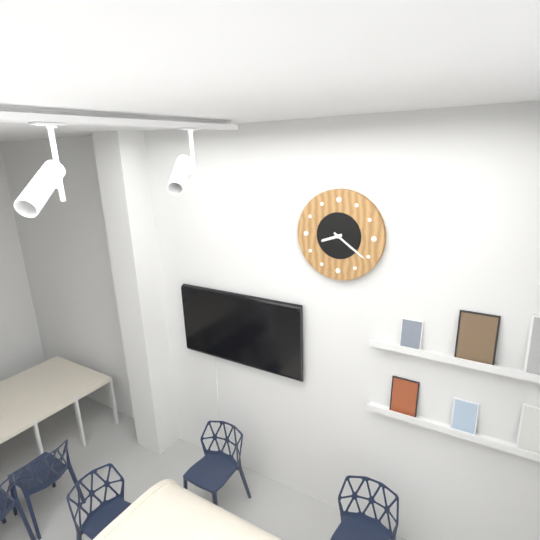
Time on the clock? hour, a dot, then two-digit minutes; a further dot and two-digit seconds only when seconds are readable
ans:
8.21
